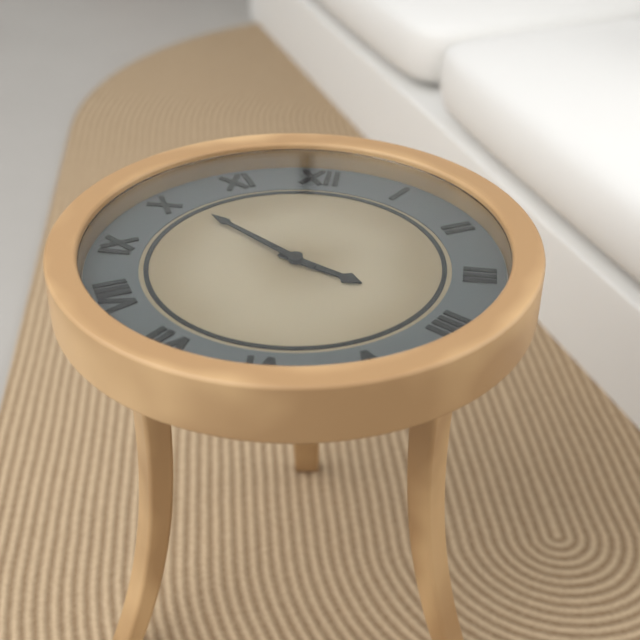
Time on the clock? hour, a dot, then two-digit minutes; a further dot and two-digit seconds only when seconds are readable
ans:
3.51
